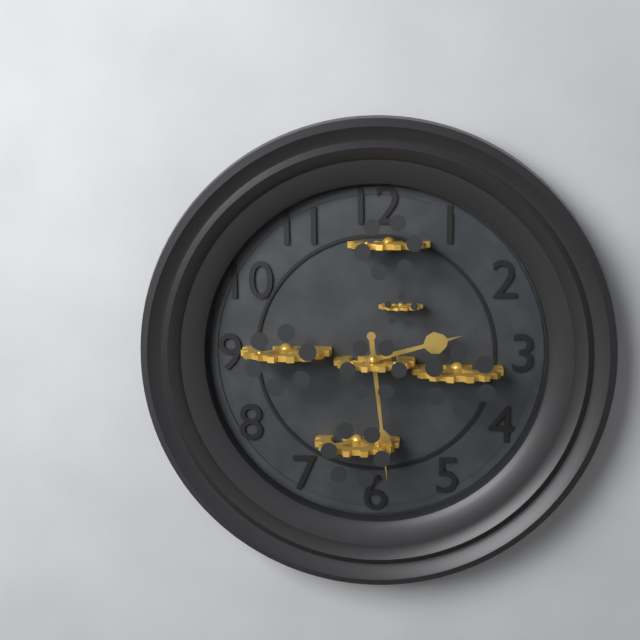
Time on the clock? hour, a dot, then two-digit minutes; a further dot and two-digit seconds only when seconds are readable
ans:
2.29
